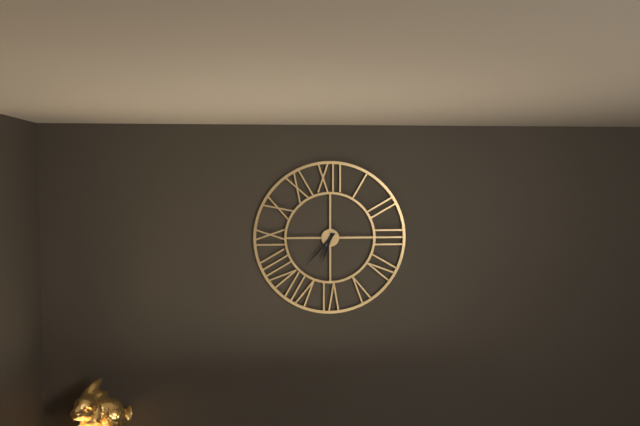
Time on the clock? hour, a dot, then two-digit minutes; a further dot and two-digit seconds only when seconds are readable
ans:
6.37
